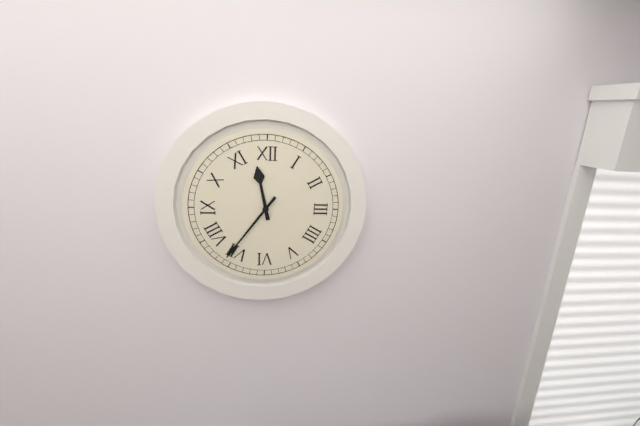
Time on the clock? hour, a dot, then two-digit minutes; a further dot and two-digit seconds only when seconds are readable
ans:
11.36
